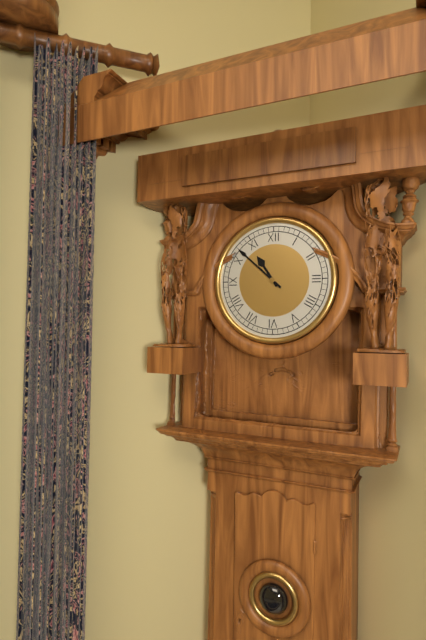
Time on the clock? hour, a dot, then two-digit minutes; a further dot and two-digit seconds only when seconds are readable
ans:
10.52
